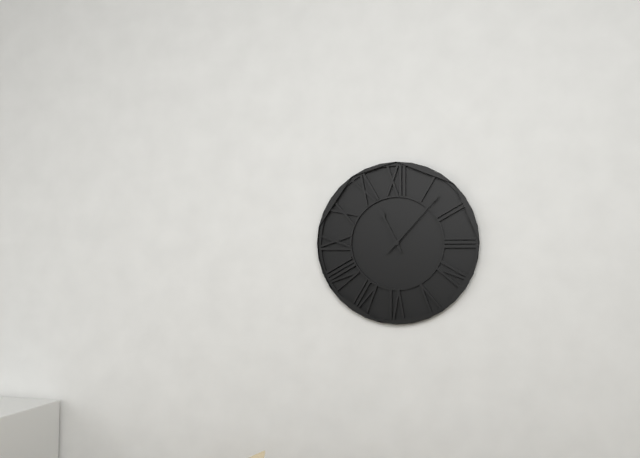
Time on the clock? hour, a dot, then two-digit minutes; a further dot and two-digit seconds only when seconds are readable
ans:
11.07
